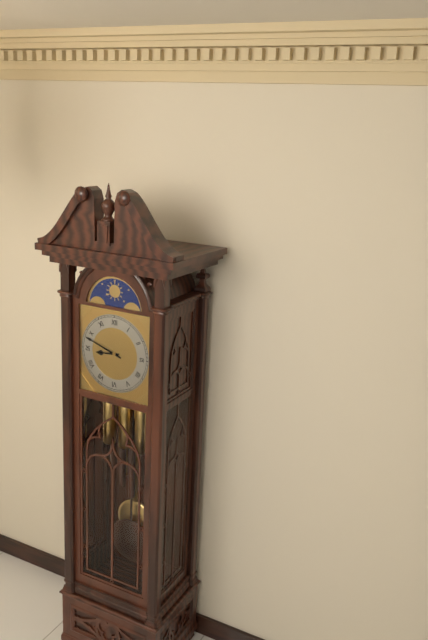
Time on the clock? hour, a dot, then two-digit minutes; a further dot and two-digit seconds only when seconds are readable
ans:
8.48
